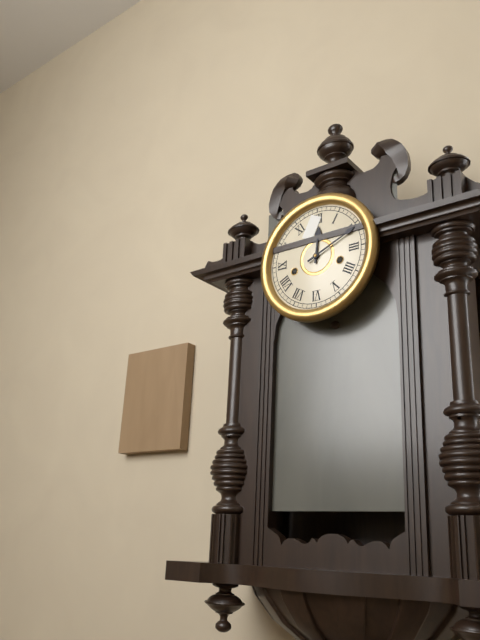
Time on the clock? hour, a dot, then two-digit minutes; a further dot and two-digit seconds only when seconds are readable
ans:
12.11
